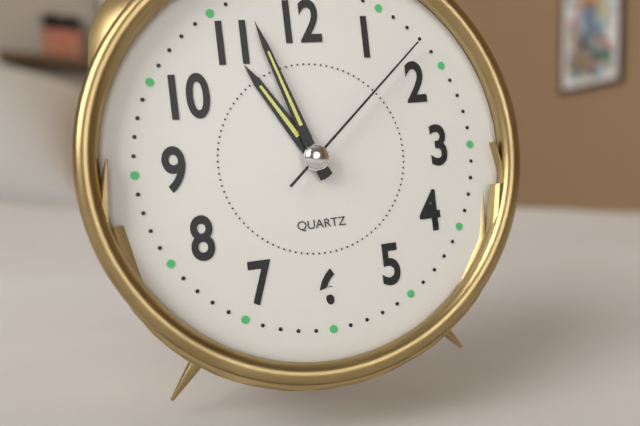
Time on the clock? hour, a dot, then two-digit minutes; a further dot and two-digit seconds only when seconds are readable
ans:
10.57.08
